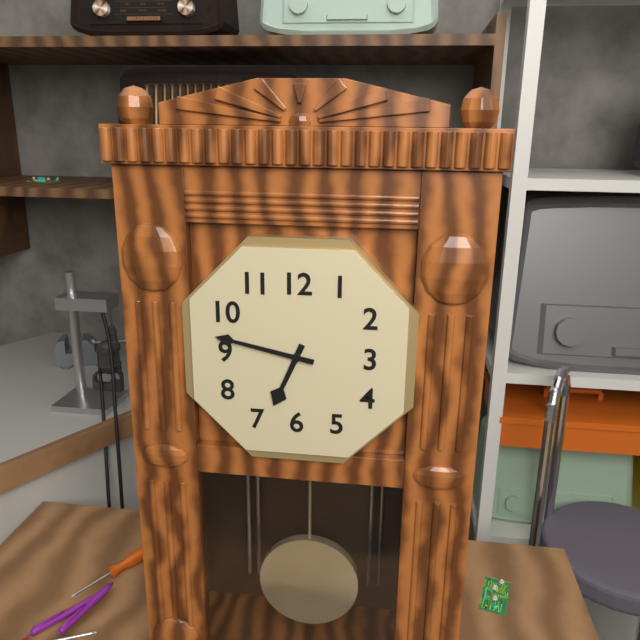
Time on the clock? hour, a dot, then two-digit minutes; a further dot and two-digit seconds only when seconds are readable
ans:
6.47
